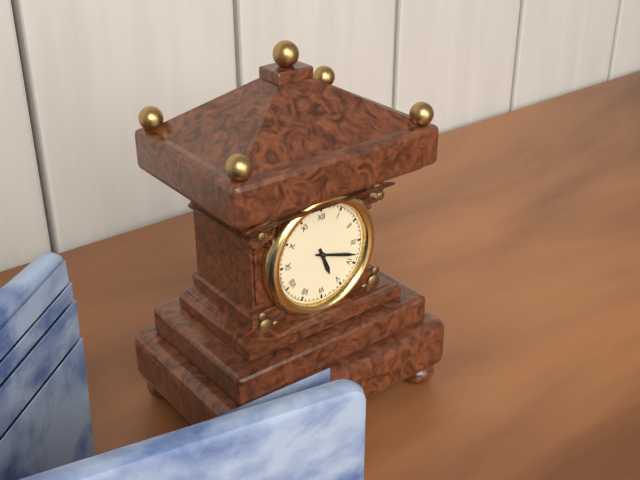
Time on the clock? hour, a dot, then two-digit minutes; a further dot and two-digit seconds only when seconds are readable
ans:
5.18
